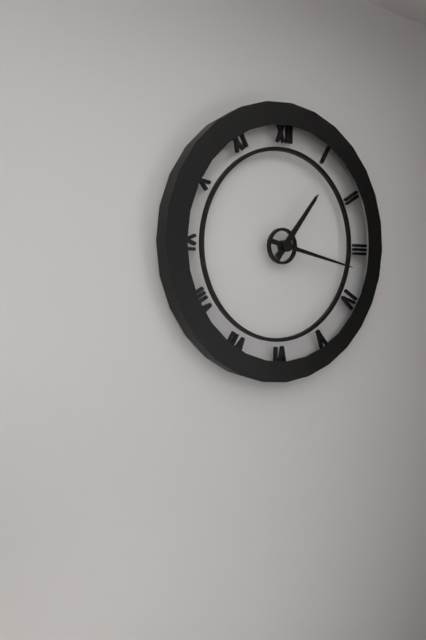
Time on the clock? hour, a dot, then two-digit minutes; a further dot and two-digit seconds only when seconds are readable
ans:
1.17
